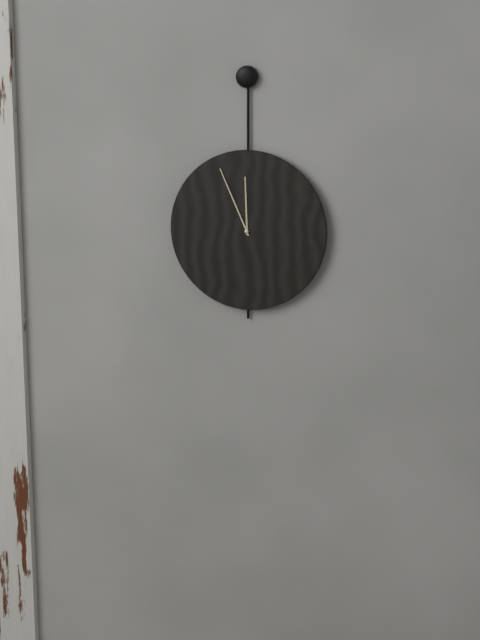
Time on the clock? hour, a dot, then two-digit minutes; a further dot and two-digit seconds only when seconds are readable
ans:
11.56
